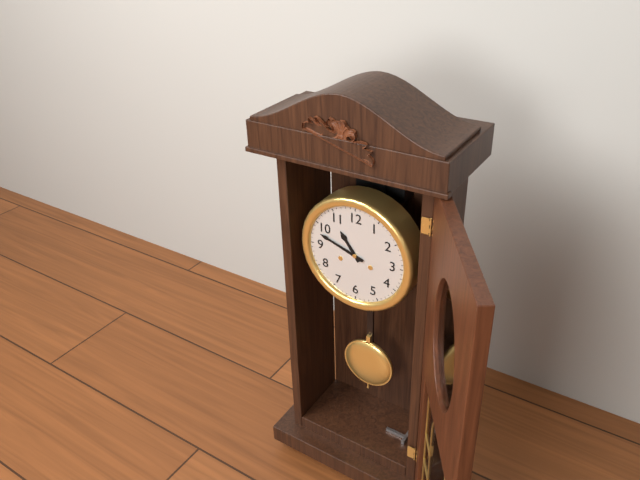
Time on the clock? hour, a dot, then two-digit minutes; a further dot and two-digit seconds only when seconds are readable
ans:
10.48
